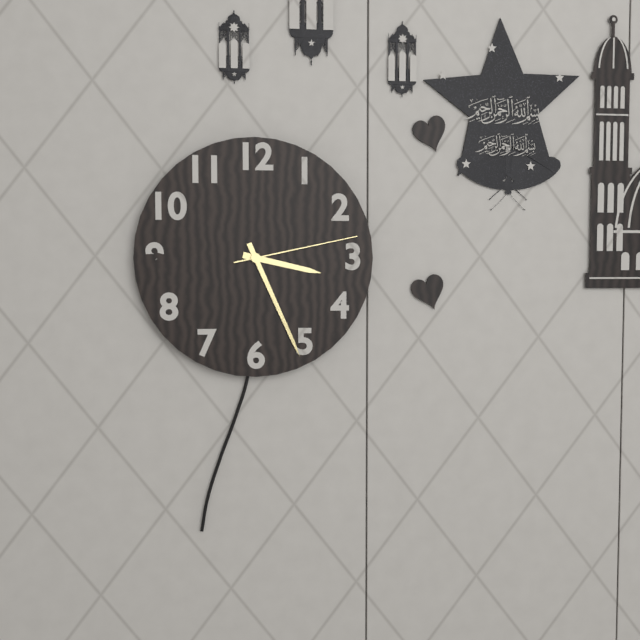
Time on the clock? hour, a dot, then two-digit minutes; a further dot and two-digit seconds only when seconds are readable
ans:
3.26.13
